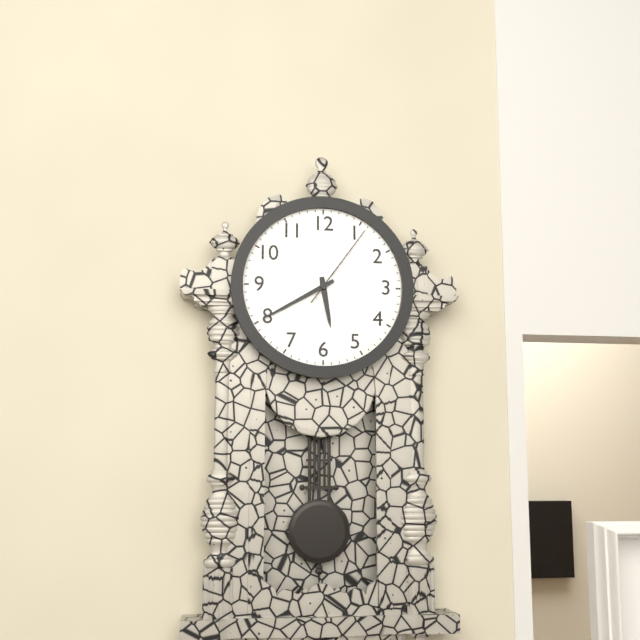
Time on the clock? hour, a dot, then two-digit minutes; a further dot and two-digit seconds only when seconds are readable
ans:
5.40.06
